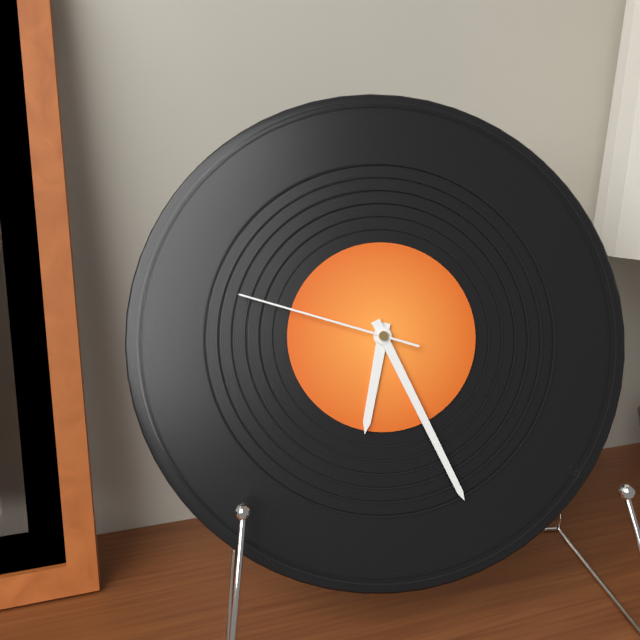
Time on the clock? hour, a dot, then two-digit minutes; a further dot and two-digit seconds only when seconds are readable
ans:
6.26.48
